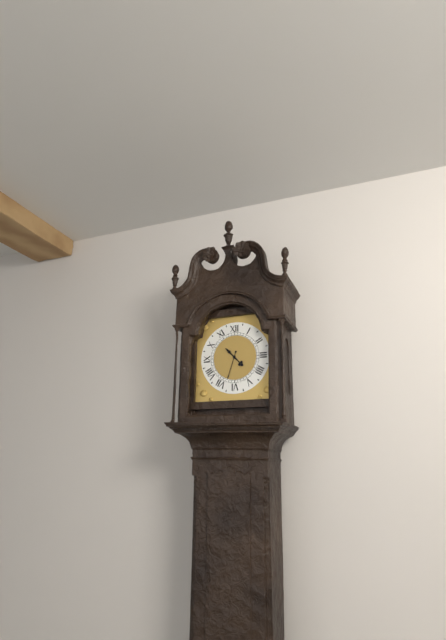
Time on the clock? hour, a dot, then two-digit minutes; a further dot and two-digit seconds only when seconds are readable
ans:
10.33
